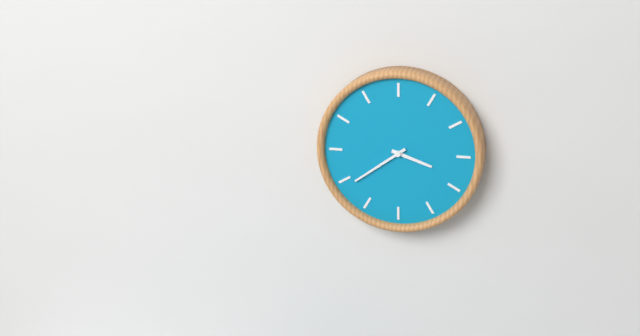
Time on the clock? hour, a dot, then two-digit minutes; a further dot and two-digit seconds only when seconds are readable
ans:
3.39
